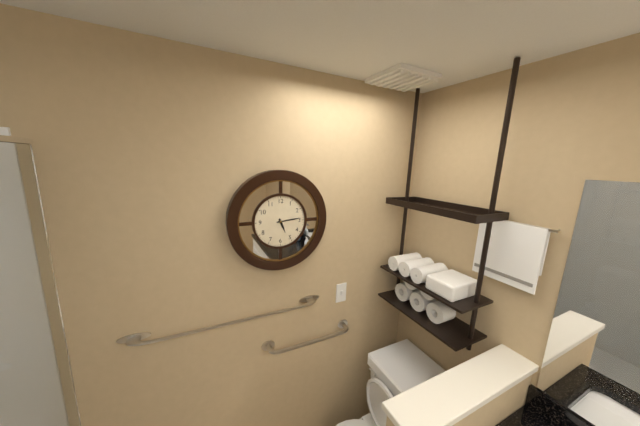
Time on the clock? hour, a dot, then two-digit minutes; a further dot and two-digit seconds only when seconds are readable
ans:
5.14
